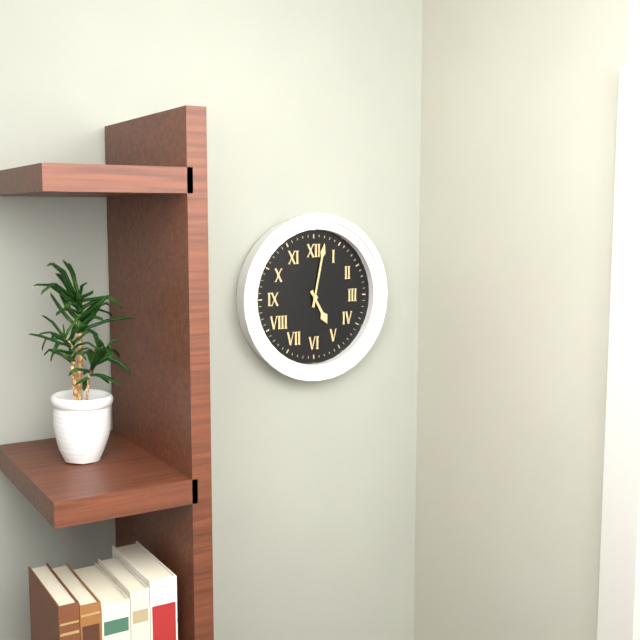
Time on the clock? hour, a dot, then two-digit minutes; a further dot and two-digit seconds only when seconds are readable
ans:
5.02
